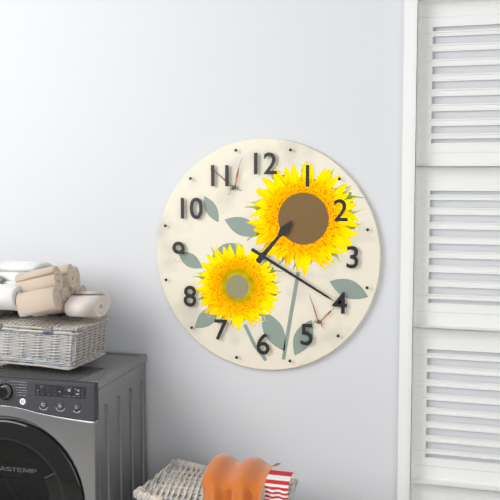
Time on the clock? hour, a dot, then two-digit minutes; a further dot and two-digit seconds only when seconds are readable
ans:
1.20
